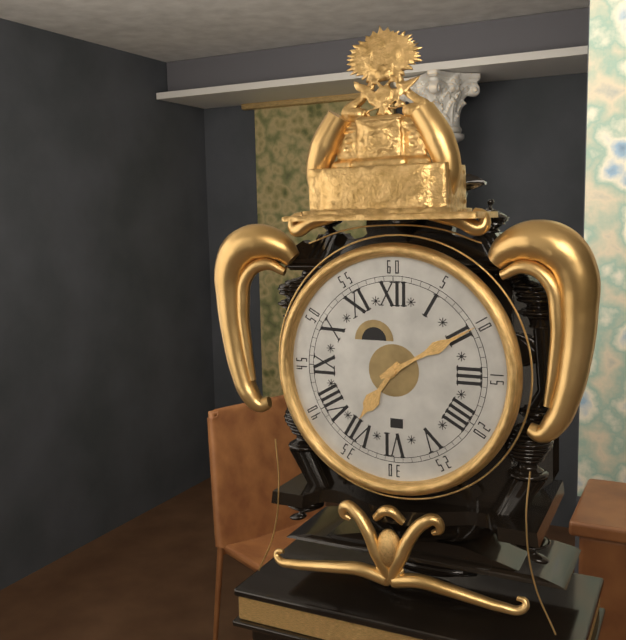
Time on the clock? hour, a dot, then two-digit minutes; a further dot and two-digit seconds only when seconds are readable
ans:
7.10
